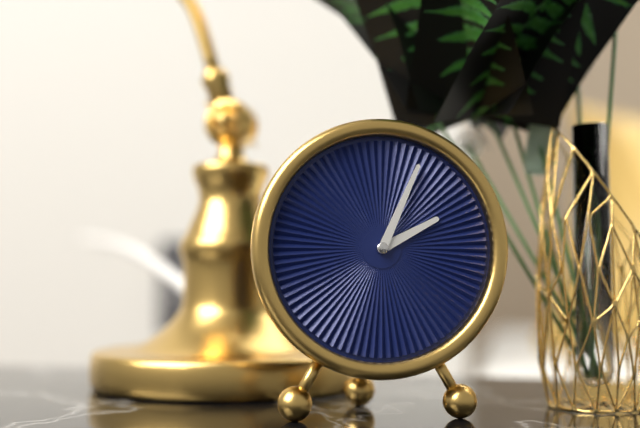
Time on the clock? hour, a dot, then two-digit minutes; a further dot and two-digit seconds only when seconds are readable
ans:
2.04
